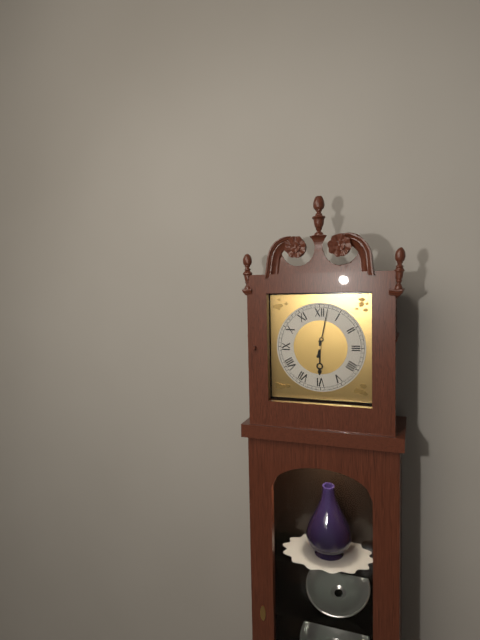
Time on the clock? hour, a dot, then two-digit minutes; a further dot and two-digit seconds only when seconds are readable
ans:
6.02
